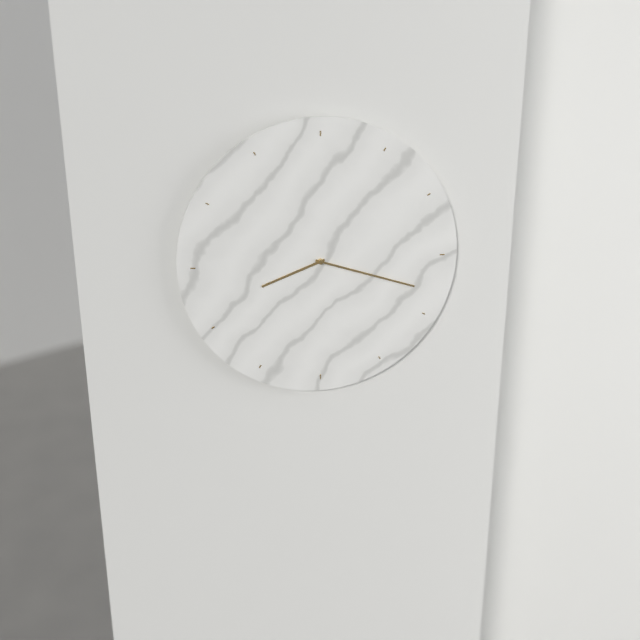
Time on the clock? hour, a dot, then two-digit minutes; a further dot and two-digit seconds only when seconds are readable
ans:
8.18
